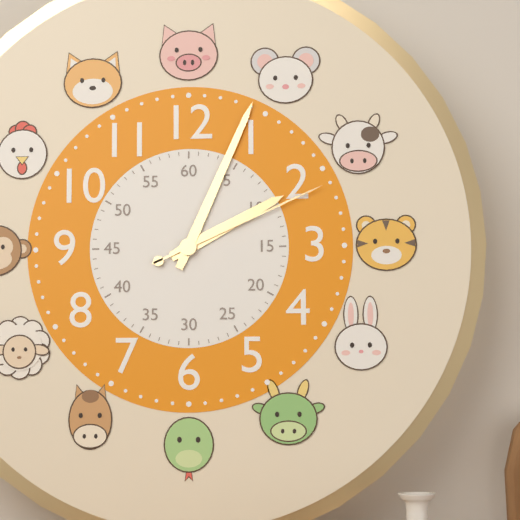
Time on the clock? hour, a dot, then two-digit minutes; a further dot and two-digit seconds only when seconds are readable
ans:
2.04.11
